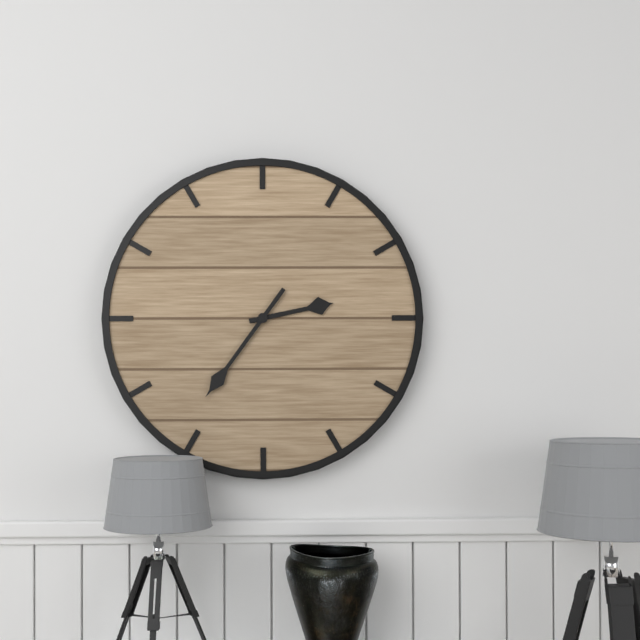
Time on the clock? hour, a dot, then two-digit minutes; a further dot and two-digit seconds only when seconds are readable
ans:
2.36
